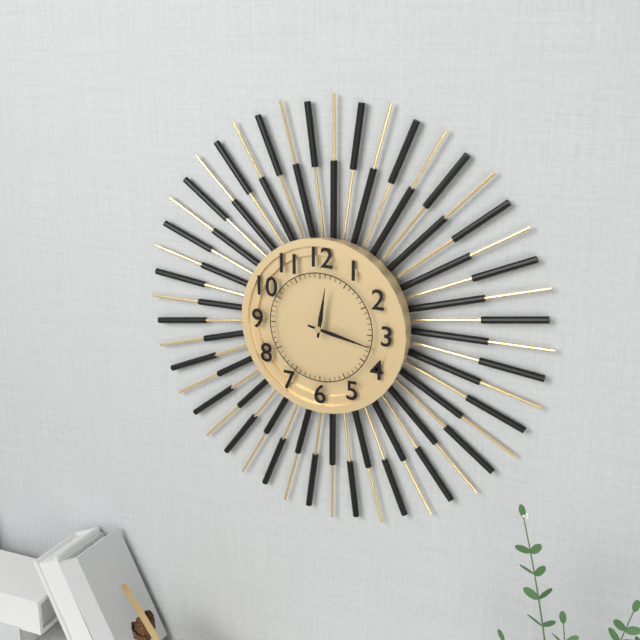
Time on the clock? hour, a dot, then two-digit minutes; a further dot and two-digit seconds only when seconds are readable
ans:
12.17
